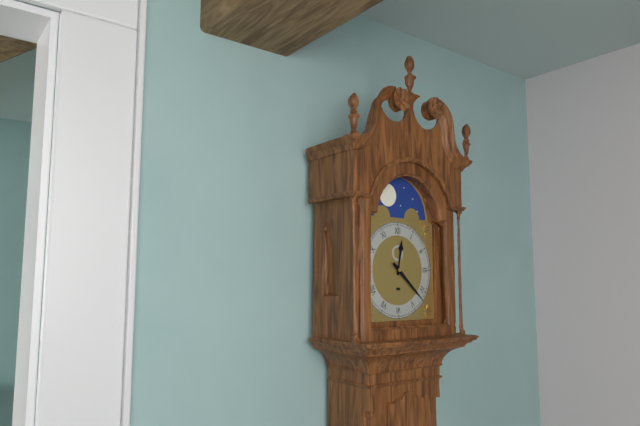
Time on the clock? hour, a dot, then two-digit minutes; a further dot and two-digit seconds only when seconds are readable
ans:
12.22
